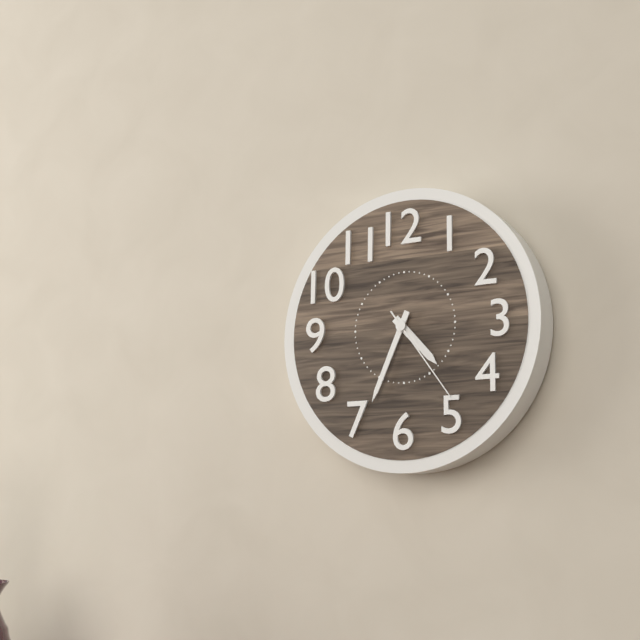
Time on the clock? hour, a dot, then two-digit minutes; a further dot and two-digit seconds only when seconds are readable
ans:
4.34.24
